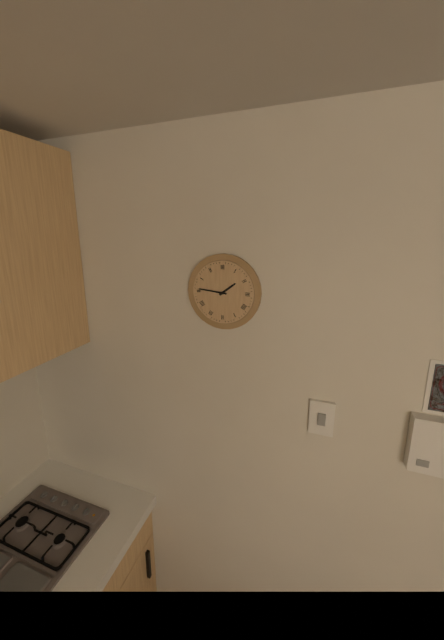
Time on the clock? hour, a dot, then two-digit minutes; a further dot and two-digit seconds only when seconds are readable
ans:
1.46
